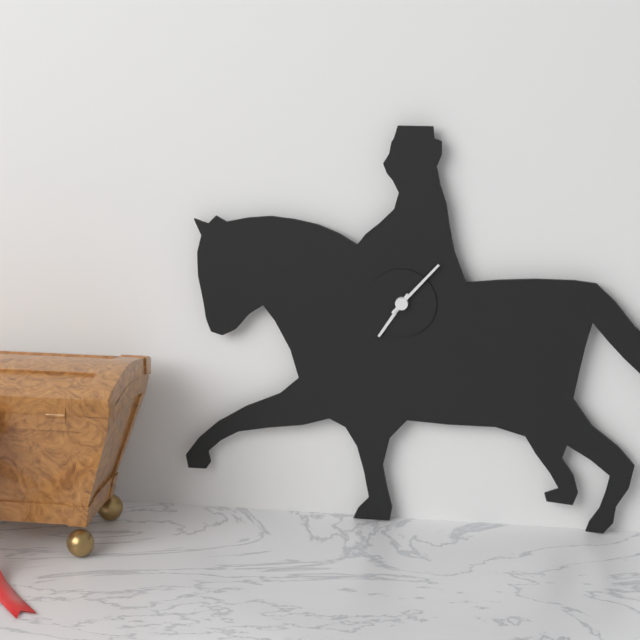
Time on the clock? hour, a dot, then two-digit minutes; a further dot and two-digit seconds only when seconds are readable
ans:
7.07
